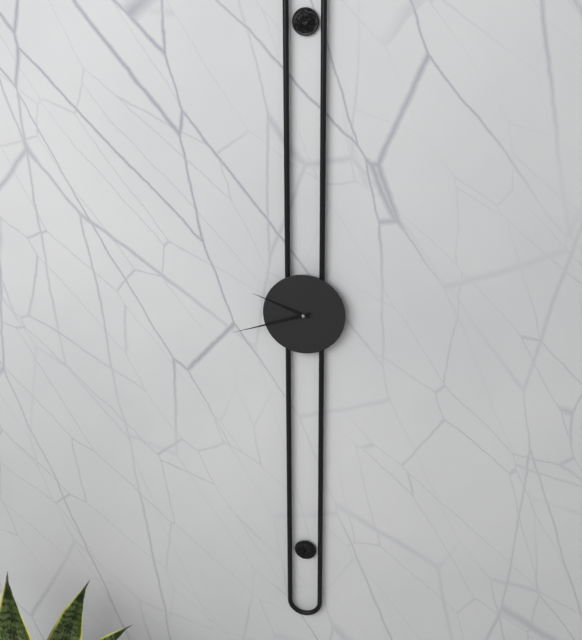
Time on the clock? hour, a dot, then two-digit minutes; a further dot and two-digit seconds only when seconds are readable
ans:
9.42
